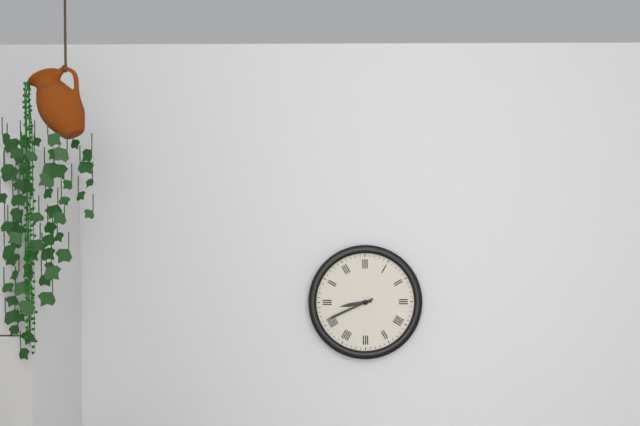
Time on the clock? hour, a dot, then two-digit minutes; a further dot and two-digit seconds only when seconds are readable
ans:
8.41
